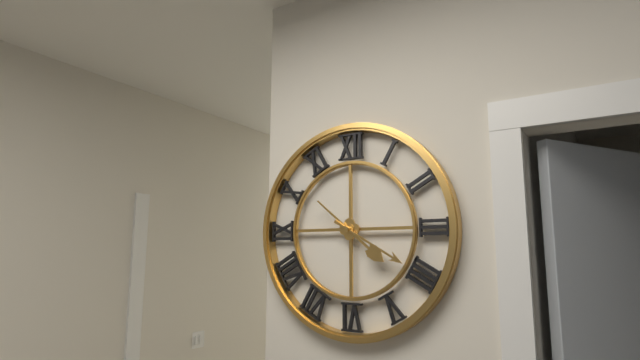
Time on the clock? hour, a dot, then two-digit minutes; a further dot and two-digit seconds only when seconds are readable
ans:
4.20
